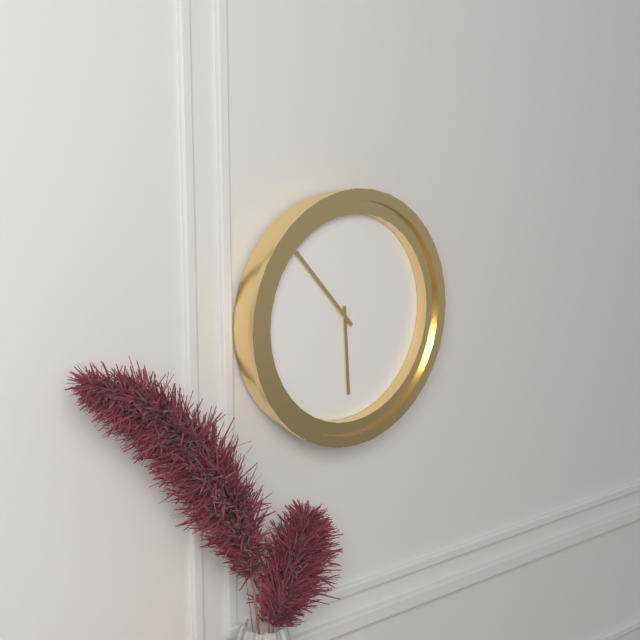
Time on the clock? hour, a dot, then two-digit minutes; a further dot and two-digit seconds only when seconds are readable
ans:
5.53
